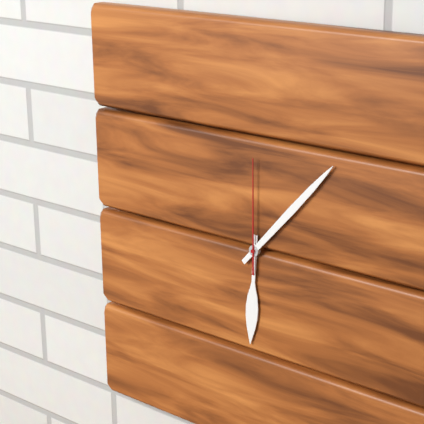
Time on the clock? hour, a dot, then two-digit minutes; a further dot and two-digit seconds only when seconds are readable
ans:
6.07.00
